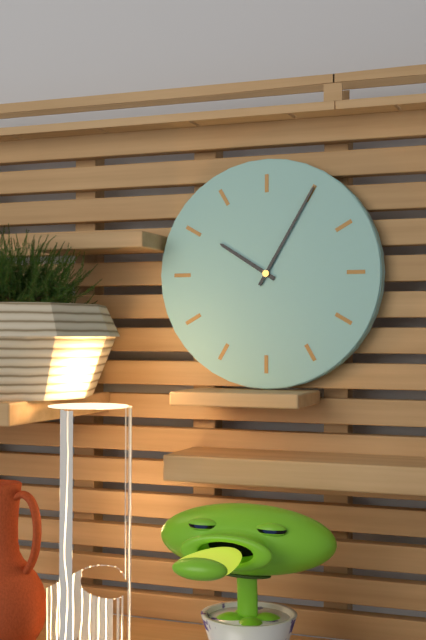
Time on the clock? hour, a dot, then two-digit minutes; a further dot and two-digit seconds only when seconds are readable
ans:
10.05
